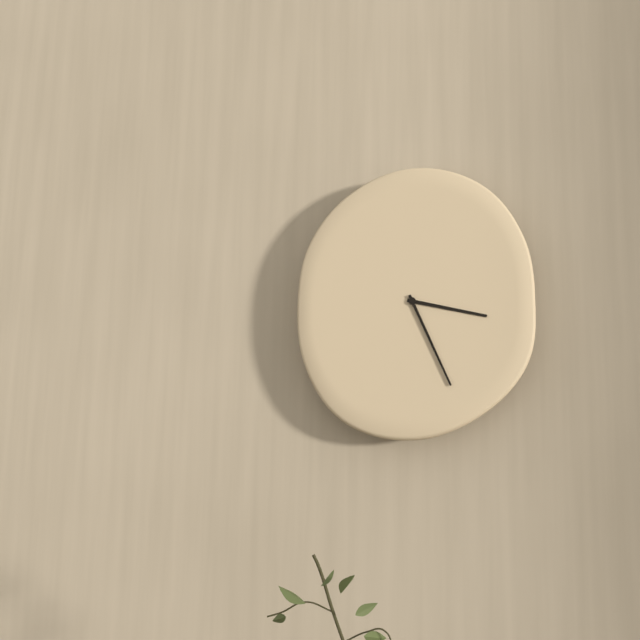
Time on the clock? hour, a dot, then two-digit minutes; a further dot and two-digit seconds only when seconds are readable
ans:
3.26
